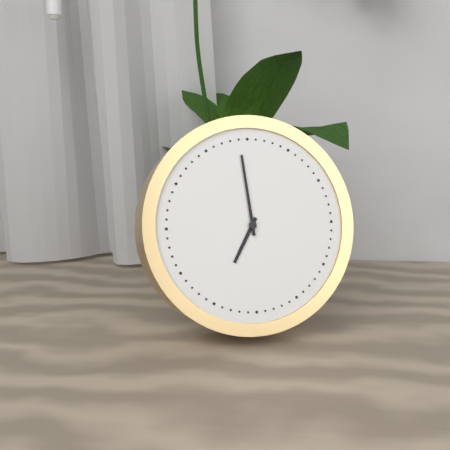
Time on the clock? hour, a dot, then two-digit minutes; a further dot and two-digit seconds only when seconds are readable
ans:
6.59
